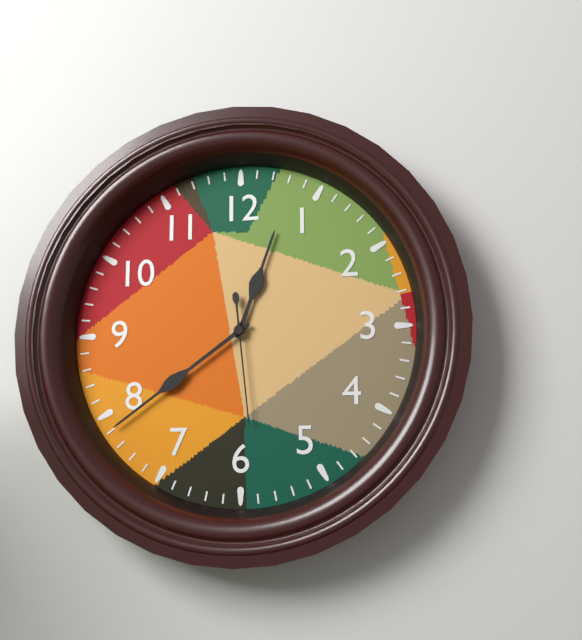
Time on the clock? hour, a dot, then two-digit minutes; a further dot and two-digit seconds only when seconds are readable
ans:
12.39.29
